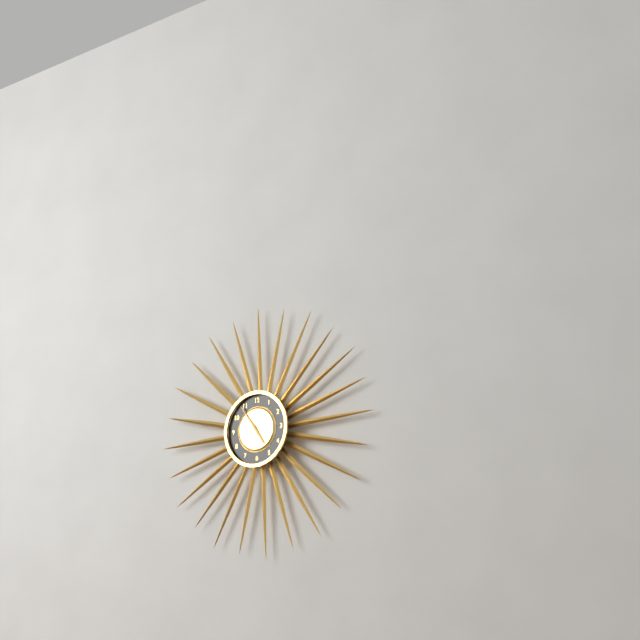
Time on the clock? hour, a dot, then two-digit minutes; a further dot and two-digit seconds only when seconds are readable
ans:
4.54
